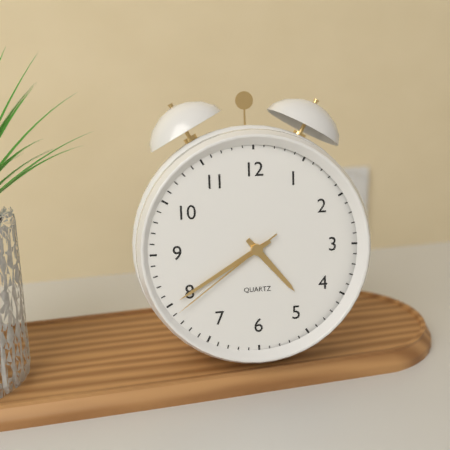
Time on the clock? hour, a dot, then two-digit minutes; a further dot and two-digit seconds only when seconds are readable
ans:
4.40.39
